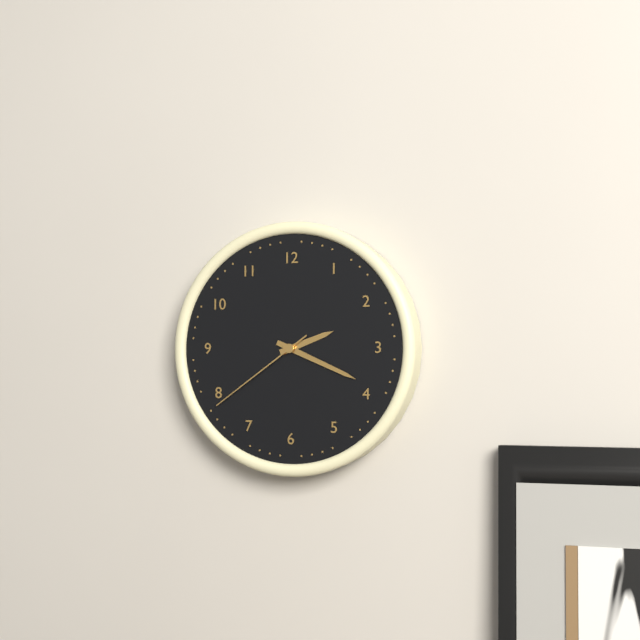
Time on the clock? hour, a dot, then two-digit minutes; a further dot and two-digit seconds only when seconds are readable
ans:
2.19.39
